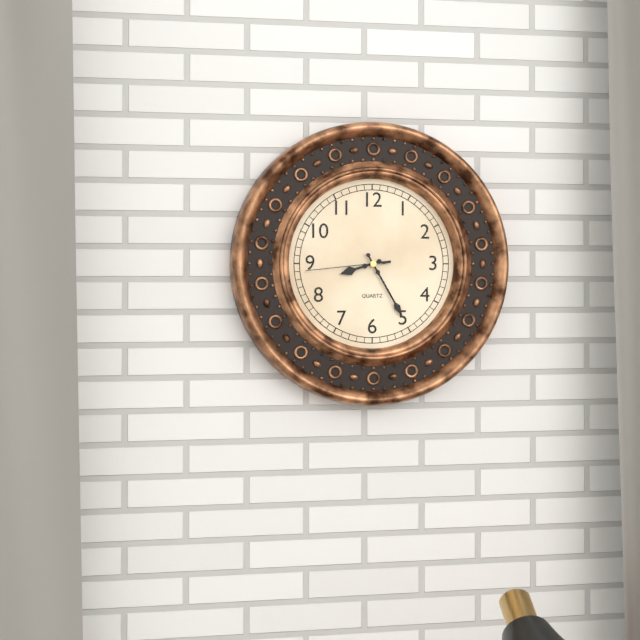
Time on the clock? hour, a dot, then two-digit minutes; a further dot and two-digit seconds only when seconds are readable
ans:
8.25.44
